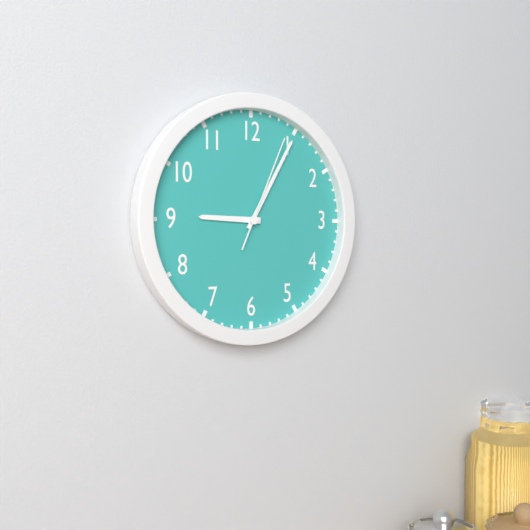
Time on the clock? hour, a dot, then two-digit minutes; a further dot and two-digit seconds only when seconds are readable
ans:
9.05.04
